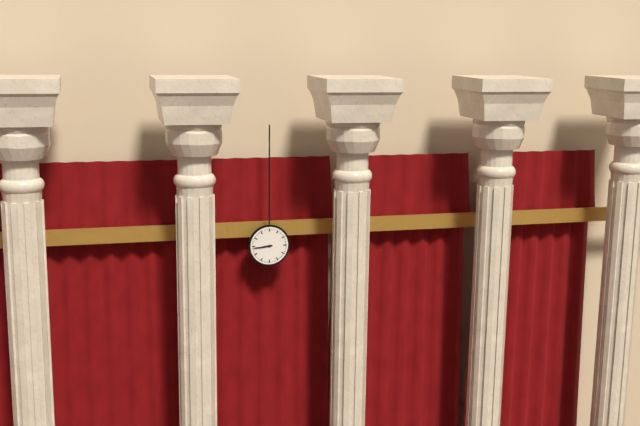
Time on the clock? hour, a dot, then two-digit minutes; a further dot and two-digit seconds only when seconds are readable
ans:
8.44
